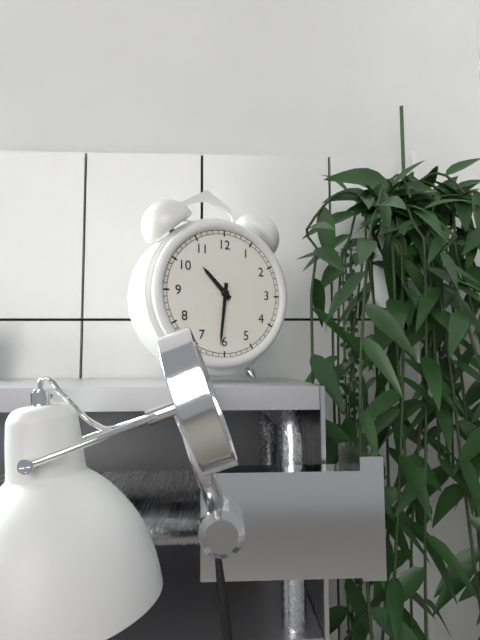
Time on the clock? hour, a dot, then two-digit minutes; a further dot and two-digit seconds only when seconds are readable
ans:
10.31
